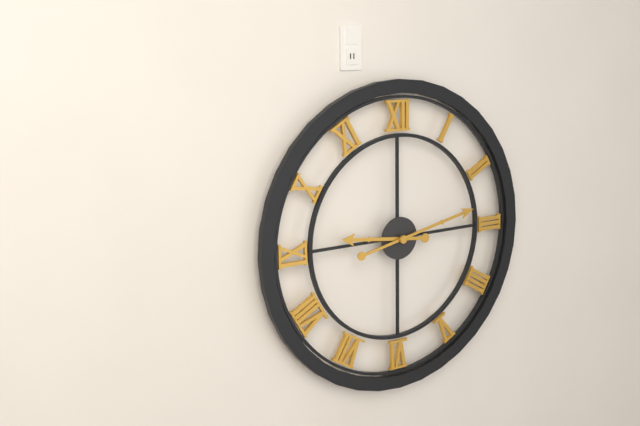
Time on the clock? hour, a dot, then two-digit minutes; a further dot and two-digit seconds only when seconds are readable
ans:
9.13
